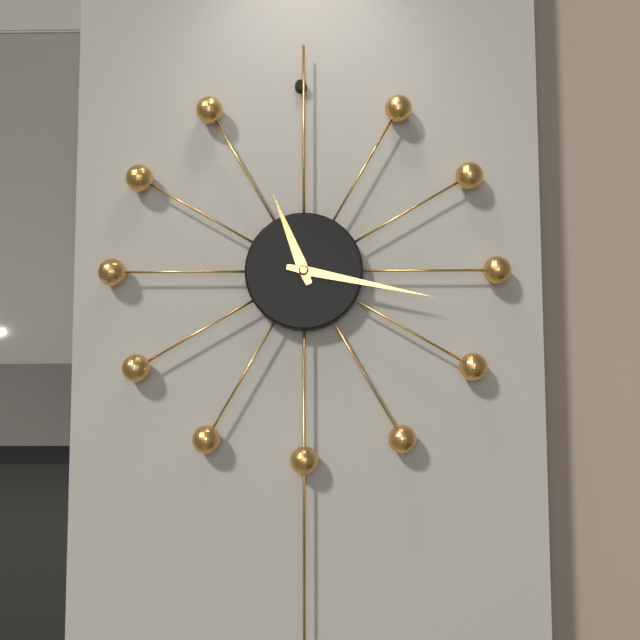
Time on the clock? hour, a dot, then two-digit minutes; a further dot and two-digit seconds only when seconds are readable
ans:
11.17
